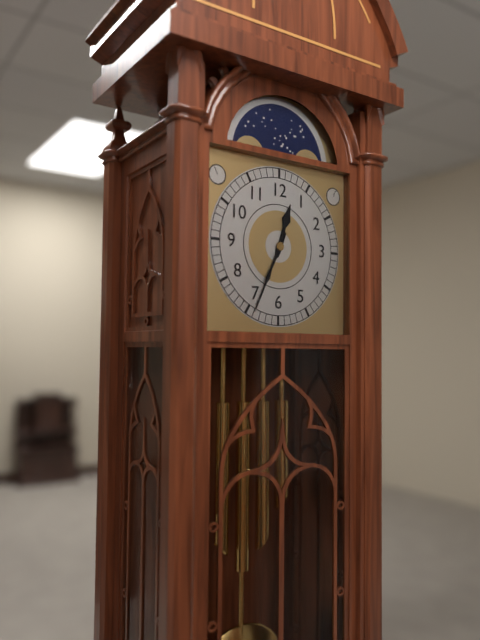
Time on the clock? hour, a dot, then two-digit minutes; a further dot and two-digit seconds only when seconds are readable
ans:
12.34
